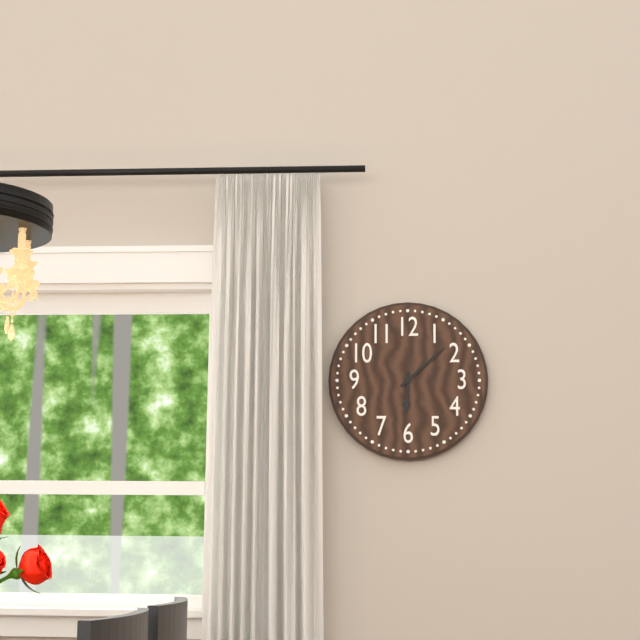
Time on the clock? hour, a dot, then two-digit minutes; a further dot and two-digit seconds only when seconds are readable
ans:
6.08
